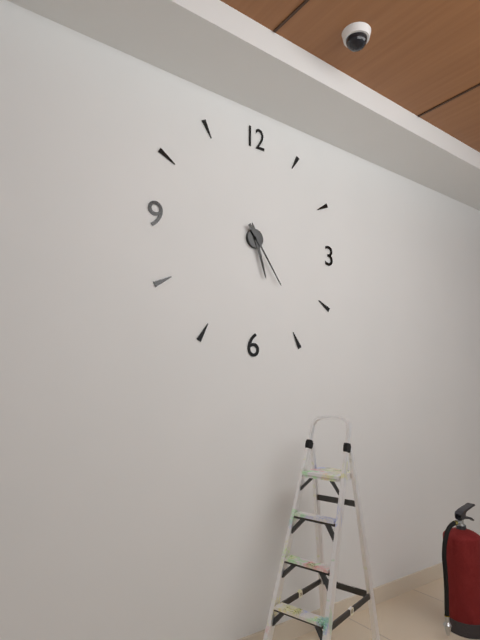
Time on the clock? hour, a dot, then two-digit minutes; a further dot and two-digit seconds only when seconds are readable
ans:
5.24
